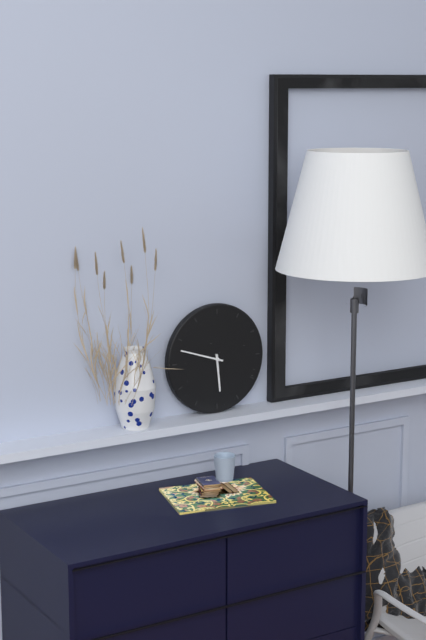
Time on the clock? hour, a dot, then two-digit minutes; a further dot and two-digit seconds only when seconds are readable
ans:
5.48
